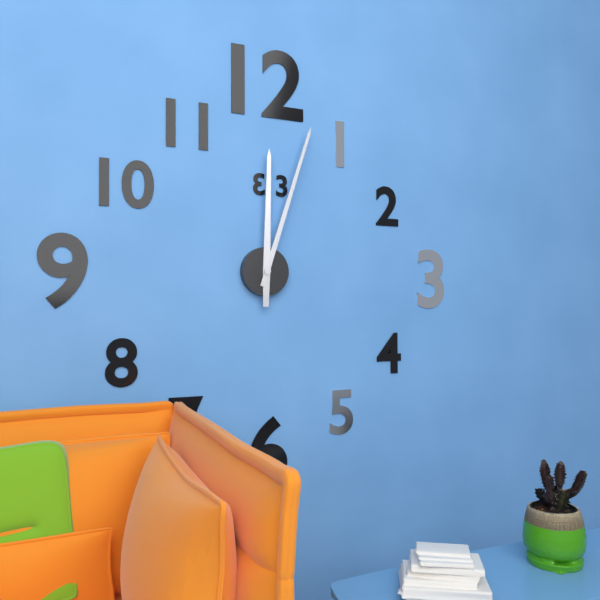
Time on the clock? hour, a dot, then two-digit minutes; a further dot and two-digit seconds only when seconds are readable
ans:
12.03
